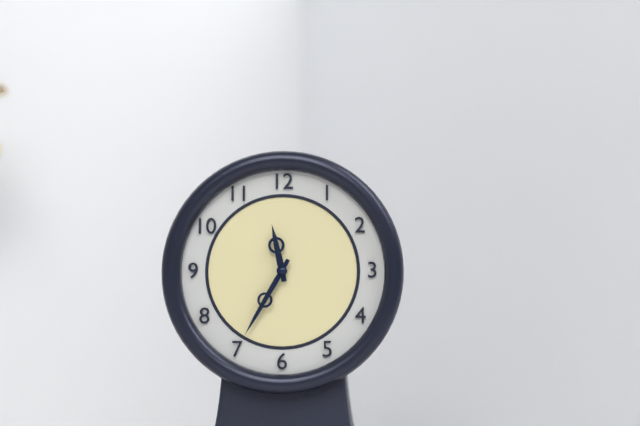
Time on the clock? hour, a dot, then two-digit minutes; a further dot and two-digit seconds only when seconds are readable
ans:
11.35
